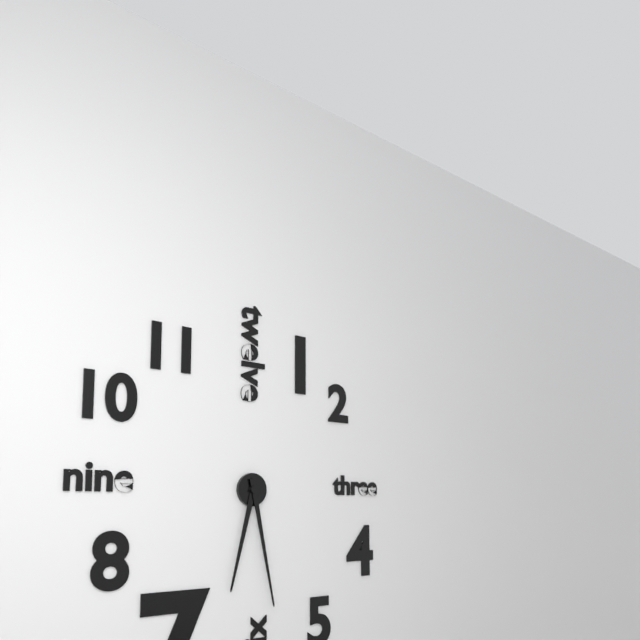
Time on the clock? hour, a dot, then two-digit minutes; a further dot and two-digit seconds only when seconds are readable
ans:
6.28
